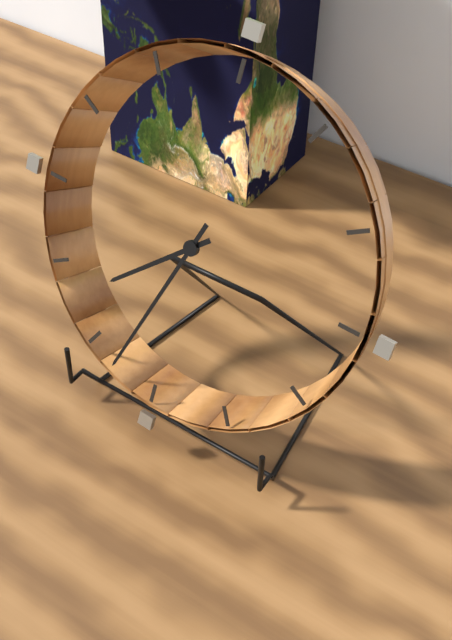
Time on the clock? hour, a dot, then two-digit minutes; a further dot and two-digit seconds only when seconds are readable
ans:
7.33
